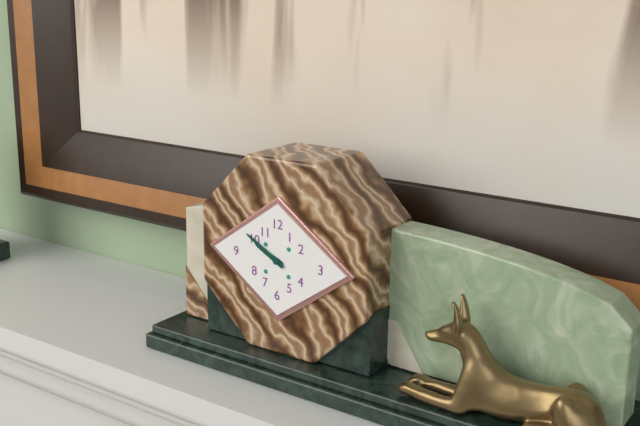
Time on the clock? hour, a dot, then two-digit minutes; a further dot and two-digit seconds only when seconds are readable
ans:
9.50
